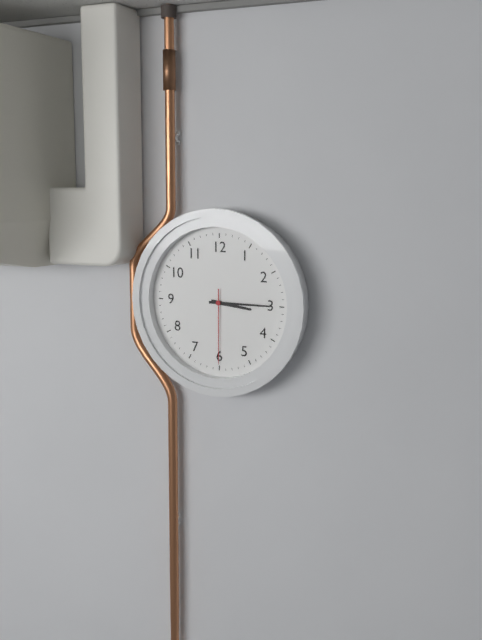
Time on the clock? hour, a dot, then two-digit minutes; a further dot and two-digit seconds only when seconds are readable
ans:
3.15.30
